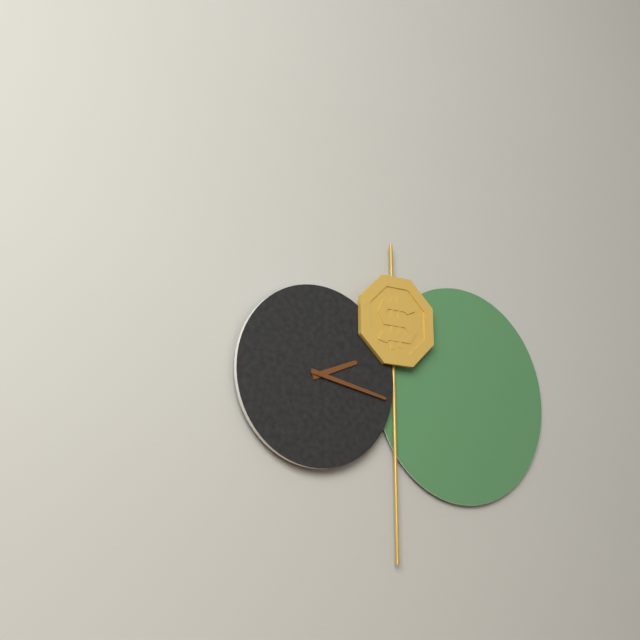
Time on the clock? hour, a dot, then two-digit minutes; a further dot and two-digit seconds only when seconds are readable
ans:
2.17
